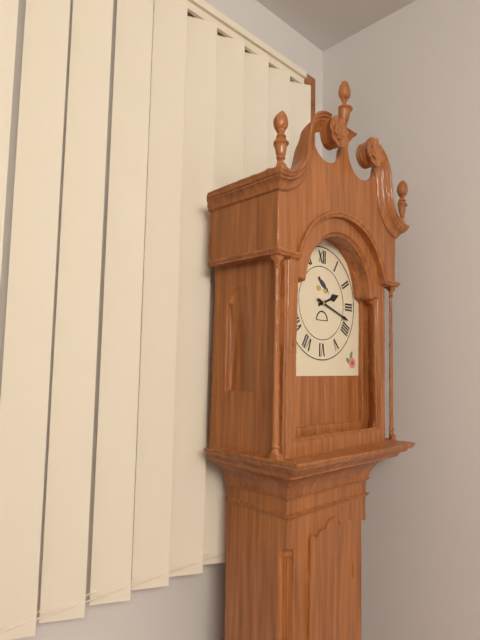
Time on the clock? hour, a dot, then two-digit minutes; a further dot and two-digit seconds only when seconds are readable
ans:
2.18
